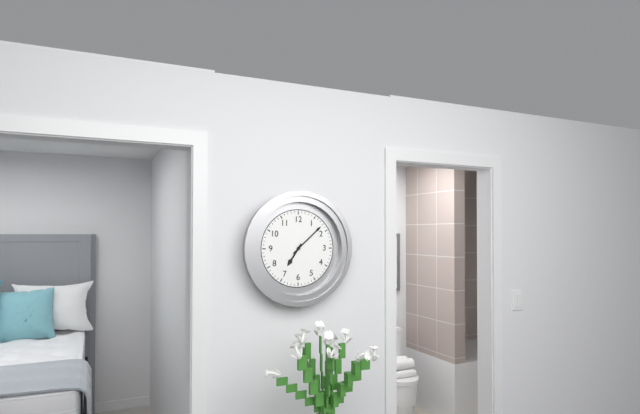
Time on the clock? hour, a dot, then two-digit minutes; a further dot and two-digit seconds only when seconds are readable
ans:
7.08
